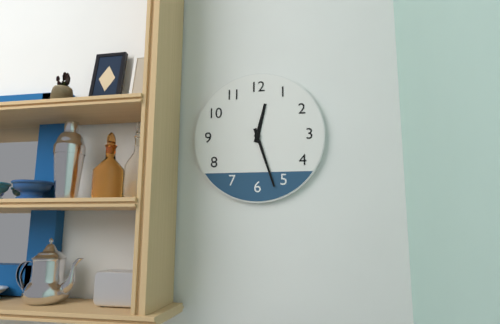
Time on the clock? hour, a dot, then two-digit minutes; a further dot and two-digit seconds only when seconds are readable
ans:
12.27
